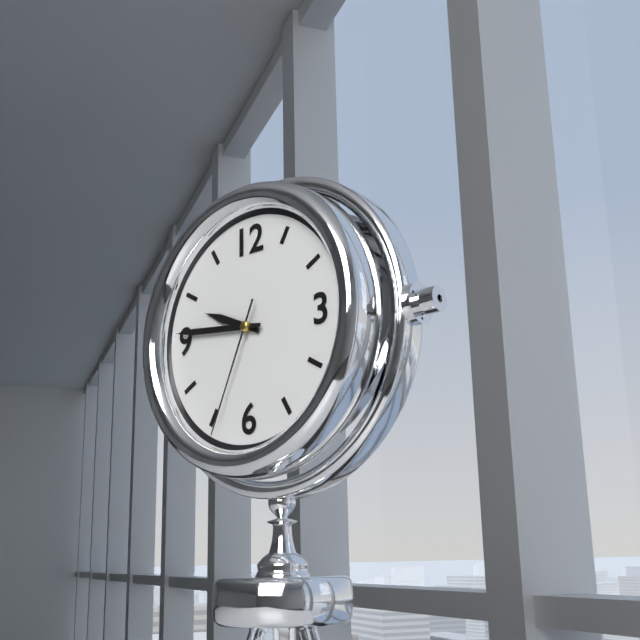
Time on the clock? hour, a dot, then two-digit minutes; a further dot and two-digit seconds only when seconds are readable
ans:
9.46.34
